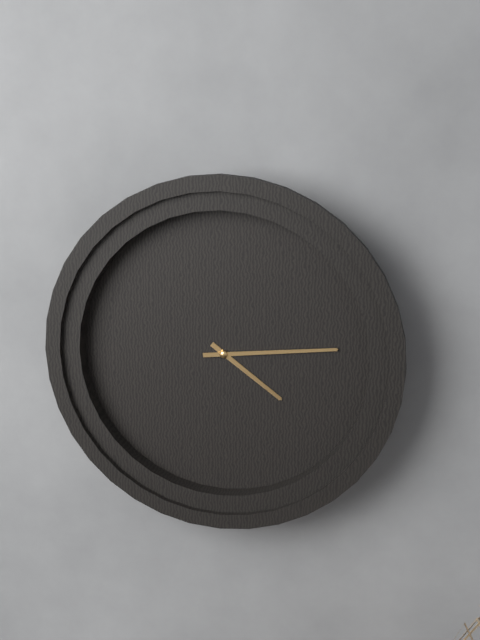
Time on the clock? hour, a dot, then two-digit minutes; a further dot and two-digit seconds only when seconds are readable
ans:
4.14
